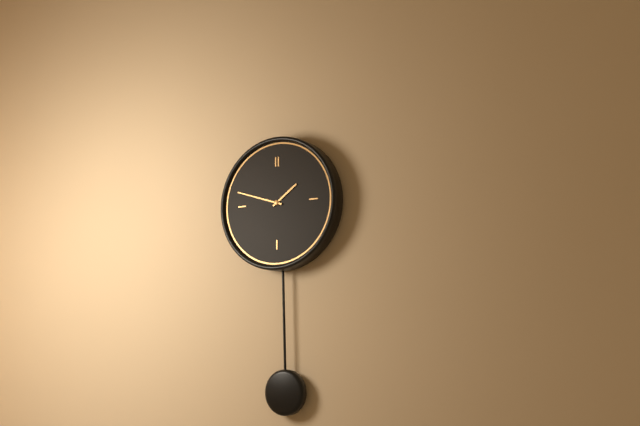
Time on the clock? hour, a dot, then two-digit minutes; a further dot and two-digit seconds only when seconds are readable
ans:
1.48
